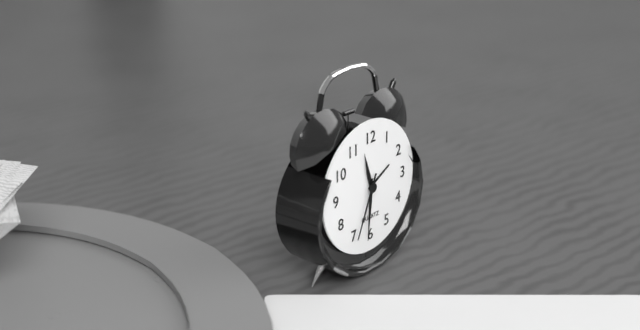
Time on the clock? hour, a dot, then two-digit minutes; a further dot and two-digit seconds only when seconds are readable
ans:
11.31.34
